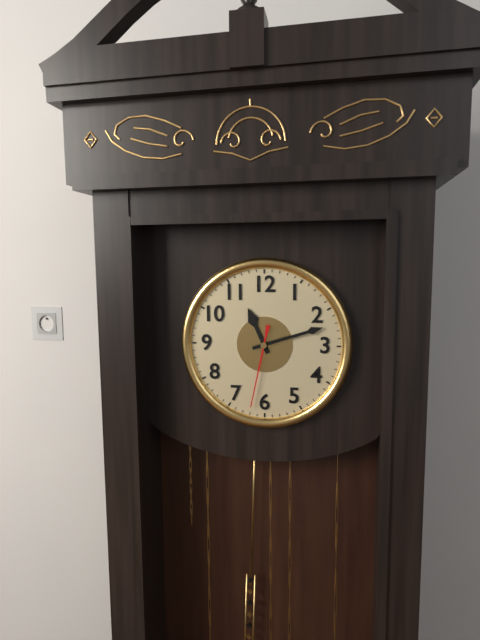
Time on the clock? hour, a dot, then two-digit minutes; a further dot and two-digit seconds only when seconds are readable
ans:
11.12.32
